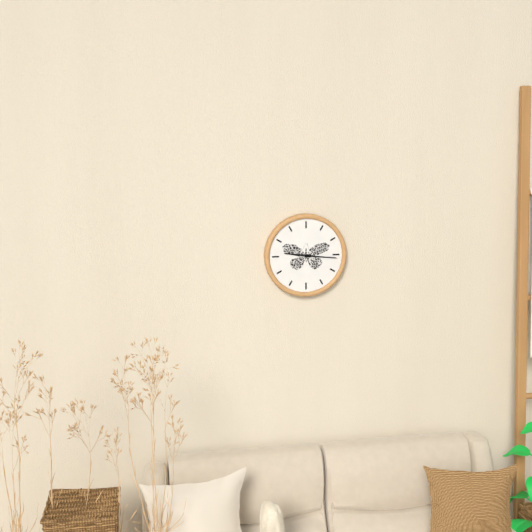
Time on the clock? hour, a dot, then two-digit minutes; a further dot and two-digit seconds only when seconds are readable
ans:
9.16
